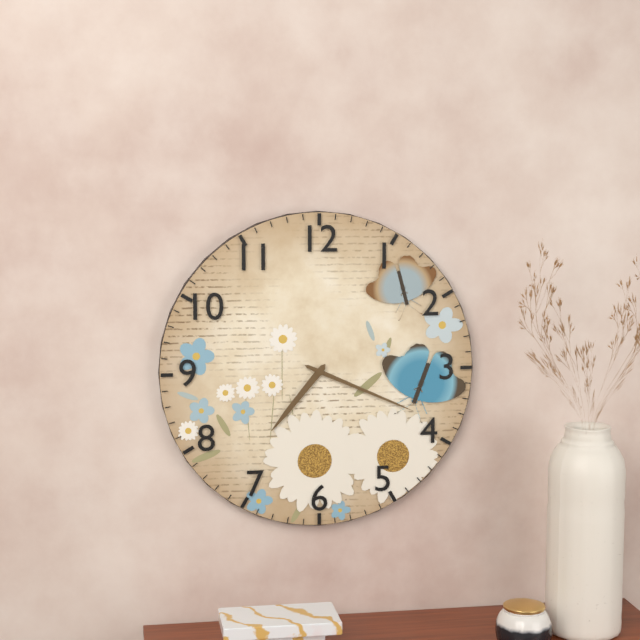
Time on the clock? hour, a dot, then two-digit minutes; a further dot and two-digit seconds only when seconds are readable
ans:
7.19
